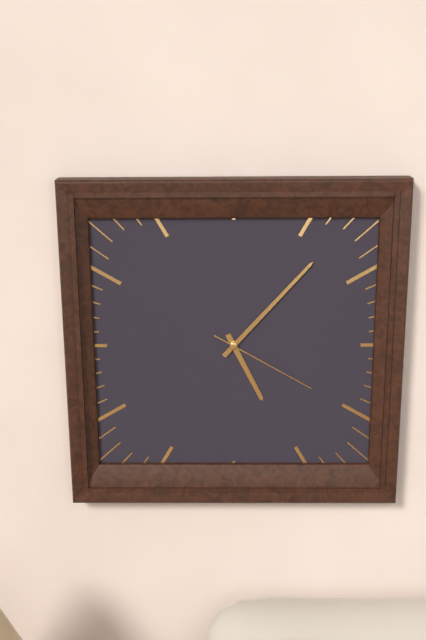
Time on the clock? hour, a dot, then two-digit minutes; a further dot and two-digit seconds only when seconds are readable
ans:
5.07.20
